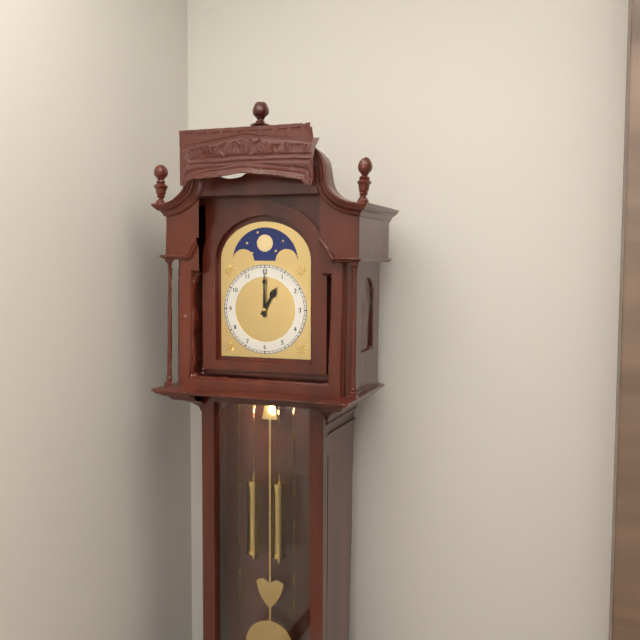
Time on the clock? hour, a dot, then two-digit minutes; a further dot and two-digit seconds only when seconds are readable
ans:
1.00
